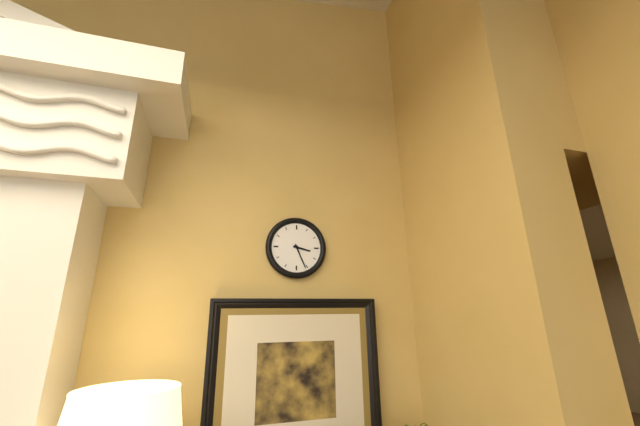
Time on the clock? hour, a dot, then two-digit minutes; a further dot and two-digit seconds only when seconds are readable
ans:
3.26
